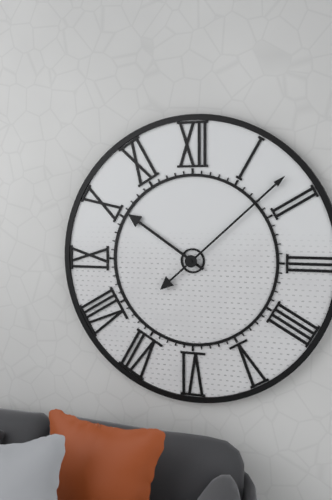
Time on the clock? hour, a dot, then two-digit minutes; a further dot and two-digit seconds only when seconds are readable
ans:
10.08
